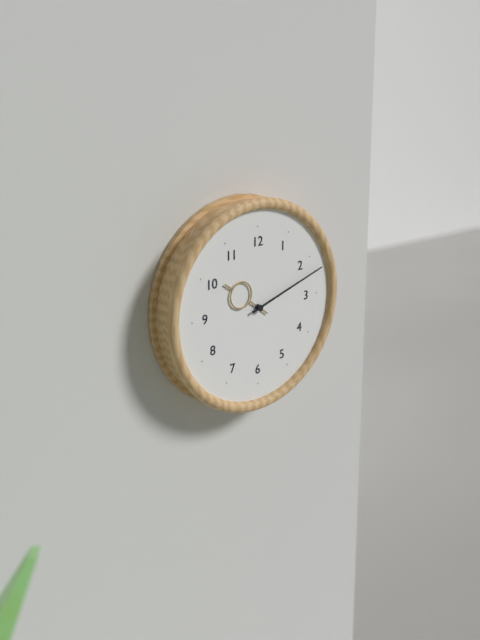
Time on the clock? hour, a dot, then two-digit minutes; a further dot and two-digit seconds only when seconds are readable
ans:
10.12
